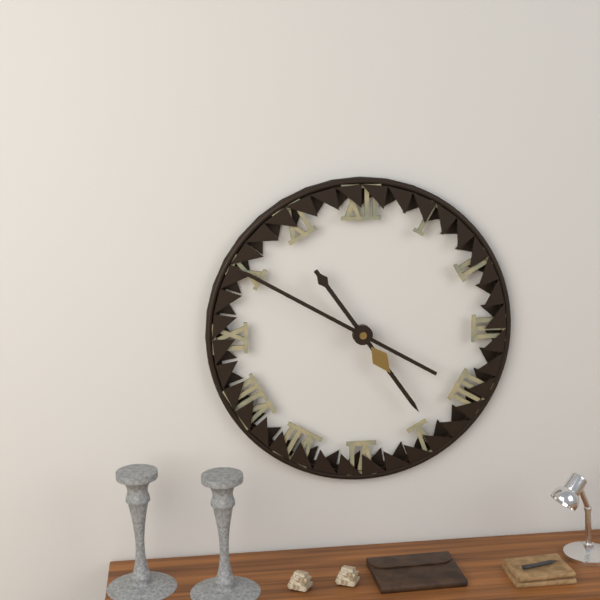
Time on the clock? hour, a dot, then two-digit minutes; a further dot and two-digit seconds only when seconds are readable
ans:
4.50
